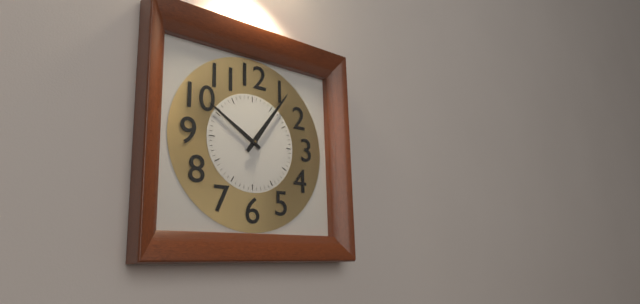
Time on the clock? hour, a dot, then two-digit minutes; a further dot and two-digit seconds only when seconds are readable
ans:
10.06
